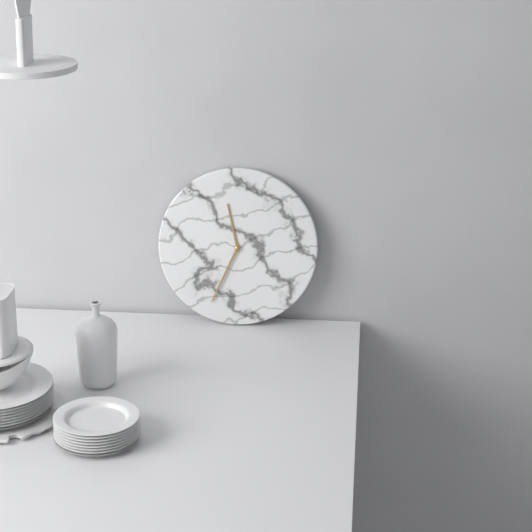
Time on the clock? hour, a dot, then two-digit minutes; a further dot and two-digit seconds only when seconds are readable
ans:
11.34
